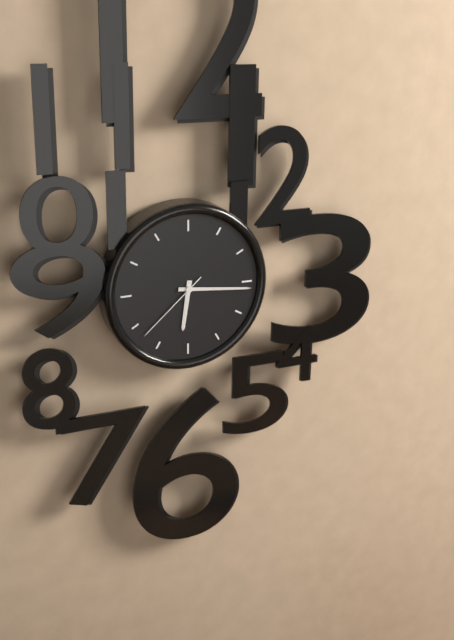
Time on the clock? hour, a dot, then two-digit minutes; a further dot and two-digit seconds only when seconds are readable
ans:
6.16.38
